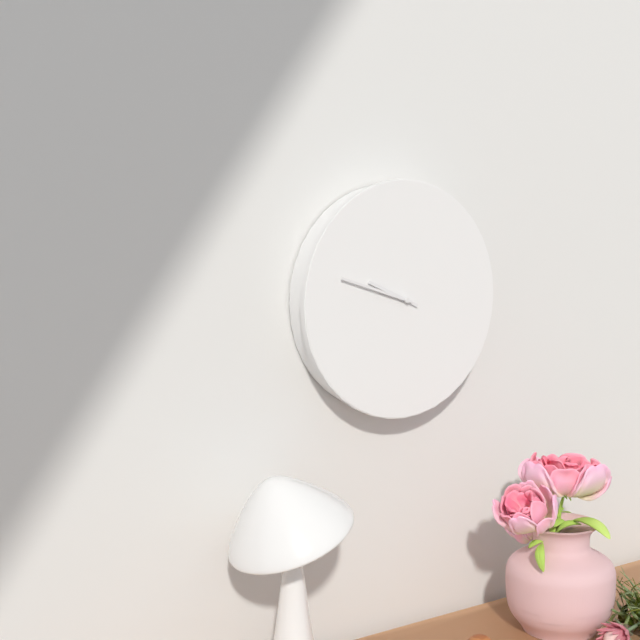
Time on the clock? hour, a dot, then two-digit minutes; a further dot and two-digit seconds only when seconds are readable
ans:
9.48
